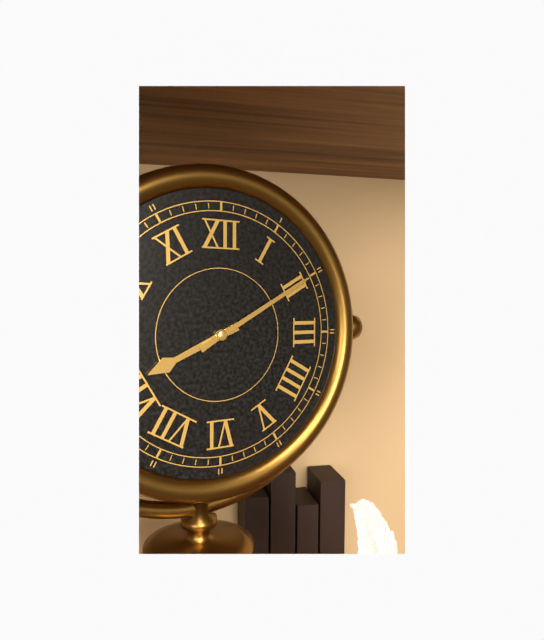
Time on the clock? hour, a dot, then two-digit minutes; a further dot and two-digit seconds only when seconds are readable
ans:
8.10
